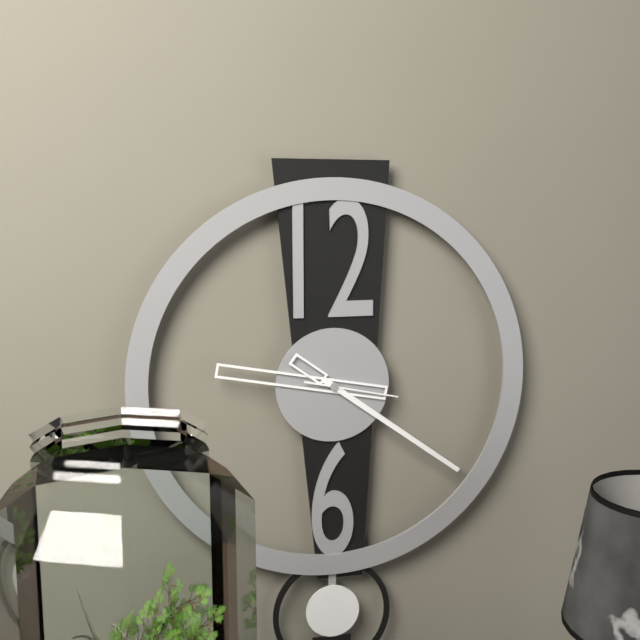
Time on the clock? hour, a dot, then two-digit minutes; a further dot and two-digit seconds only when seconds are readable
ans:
9.21.17
